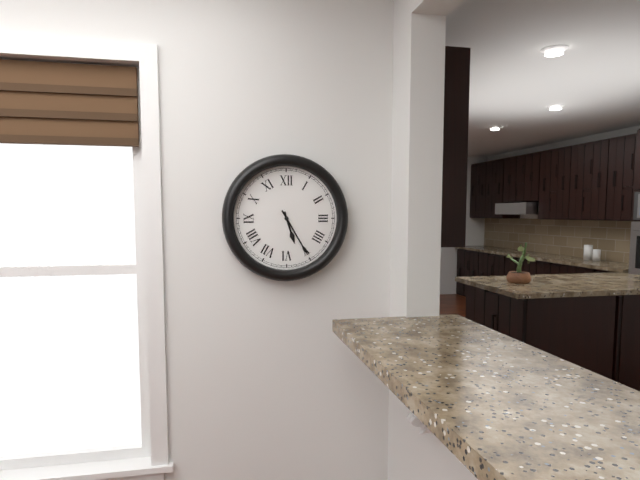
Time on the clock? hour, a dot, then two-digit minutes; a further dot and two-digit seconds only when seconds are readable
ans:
5.25
